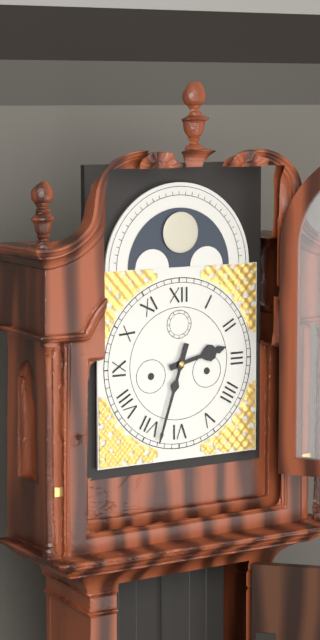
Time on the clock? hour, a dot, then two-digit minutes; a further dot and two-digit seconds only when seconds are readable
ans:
2.33
